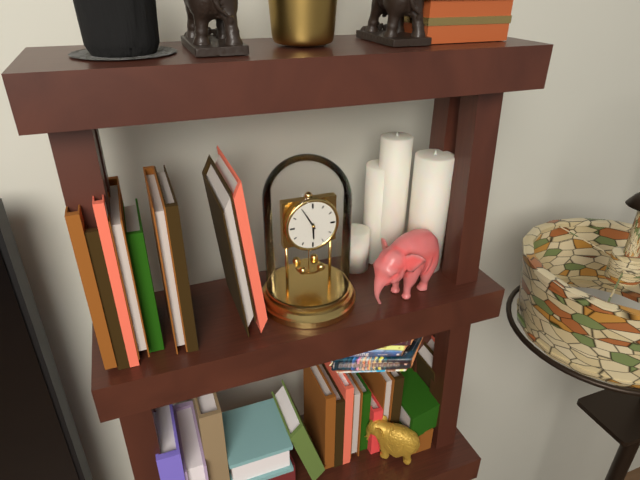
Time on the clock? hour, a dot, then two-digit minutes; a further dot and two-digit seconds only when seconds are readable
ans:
5.55
